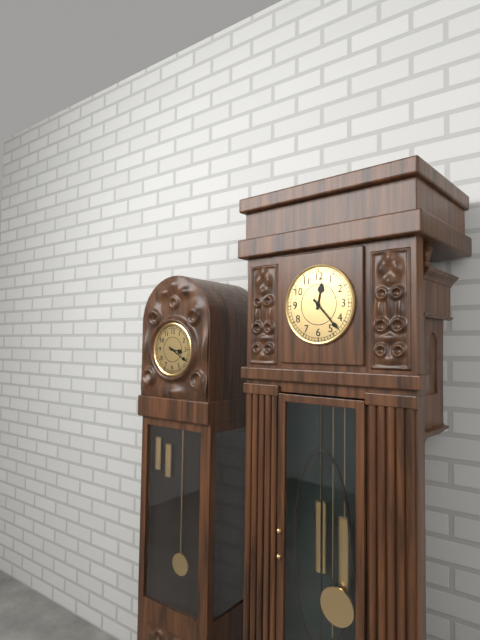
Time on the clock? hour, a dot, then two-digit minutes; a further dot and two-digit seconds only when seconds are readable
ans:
12.23
